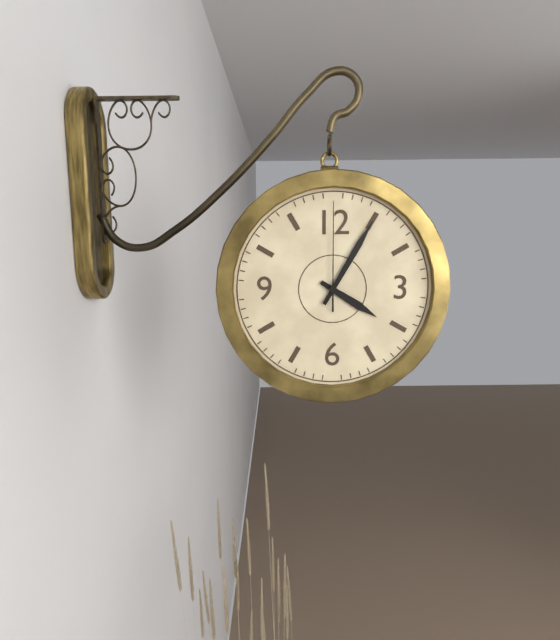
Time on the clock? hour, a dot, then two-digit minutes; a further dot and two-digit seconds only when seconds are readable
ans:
4.05.00
